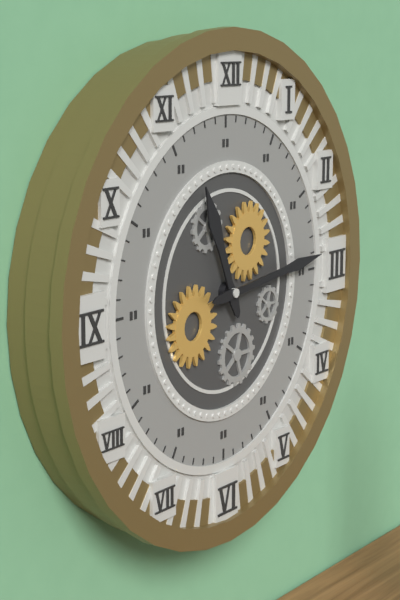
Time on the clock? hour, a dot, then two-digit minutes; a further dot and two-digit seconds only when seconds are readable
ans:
11.14
